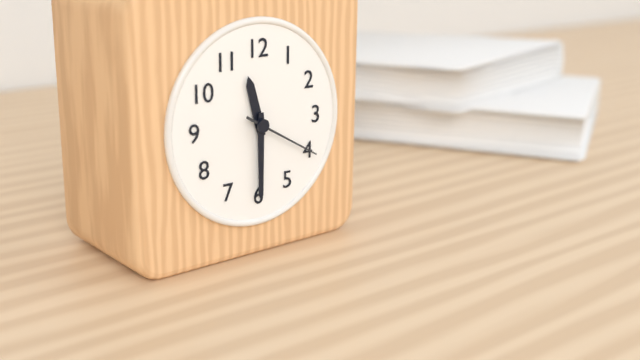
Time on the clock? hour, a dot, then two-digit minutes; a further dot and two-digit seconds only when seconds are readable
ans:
11.30.20
